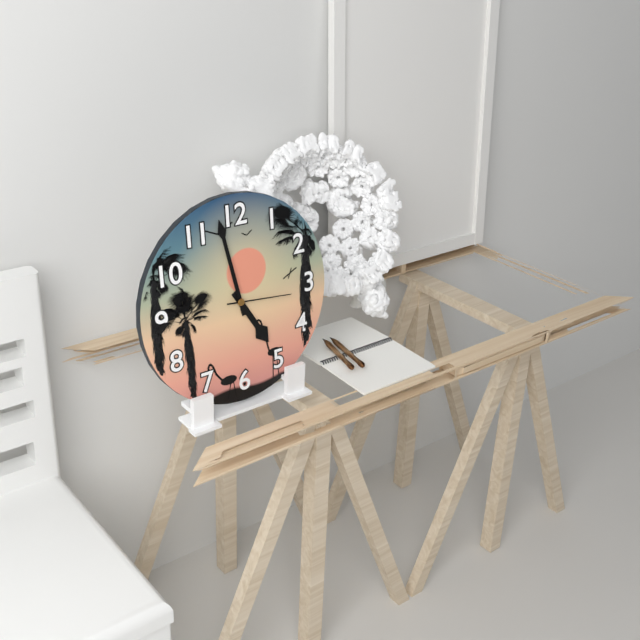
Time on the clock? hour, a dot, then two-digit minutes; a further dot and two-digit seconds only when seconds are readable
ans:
4.58.16
